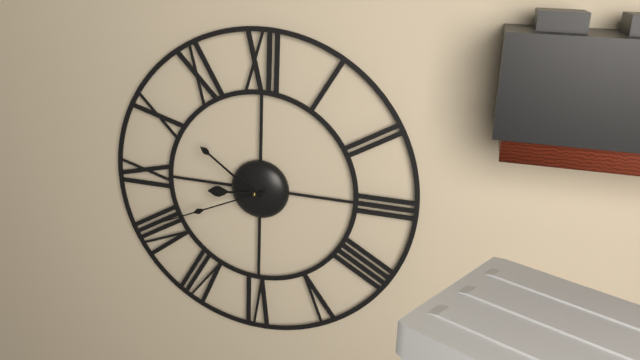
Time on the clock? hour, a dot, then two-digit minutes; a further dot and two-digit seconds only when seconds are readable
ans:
8.51.41
